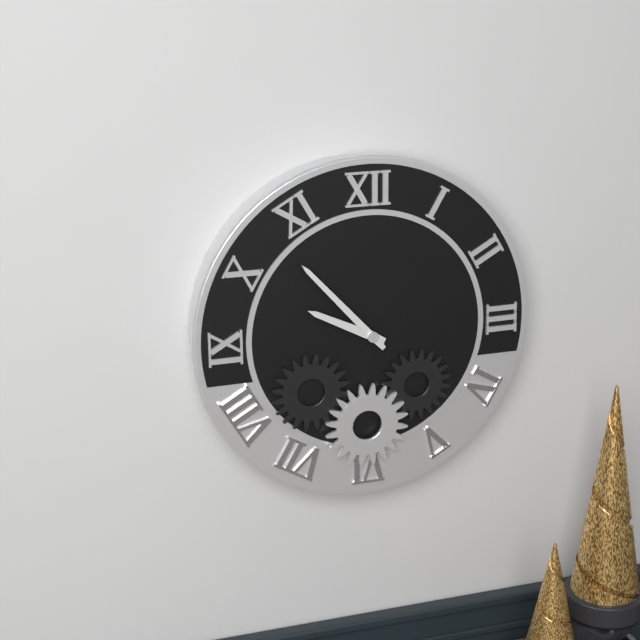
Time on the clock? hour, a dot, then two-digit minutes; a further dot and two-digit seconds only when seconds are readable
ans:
9.53
